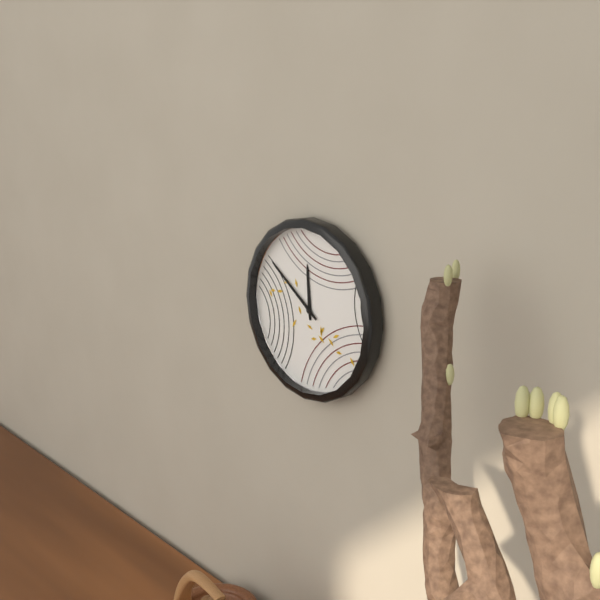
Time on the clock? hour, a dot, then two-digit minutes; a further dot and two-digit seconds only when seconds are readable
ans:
11.51
